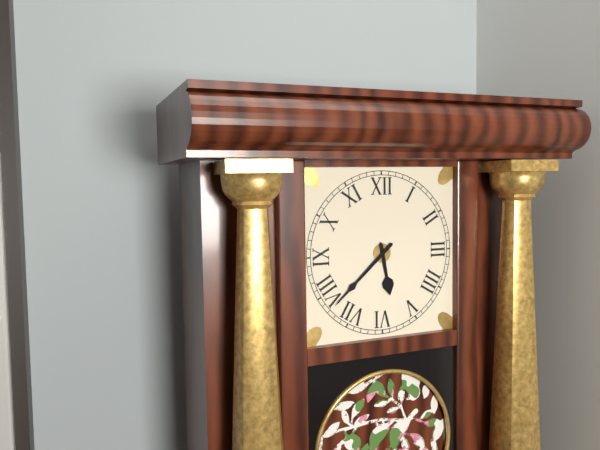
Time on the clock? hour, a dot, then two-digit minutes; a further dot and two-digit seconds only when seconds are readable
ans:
5.38
